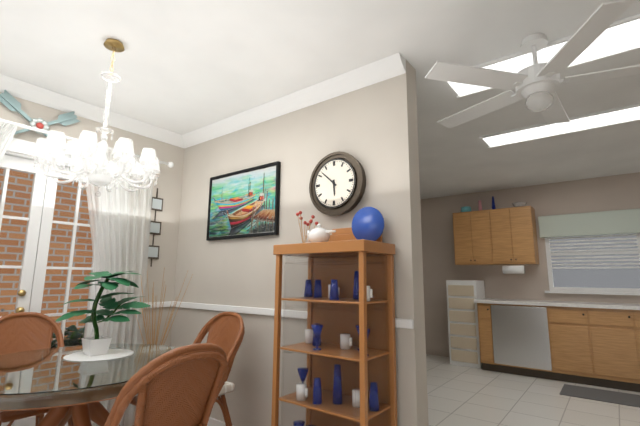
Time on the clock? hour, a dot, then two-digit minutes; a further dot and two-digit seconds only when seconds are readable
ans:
5.52
